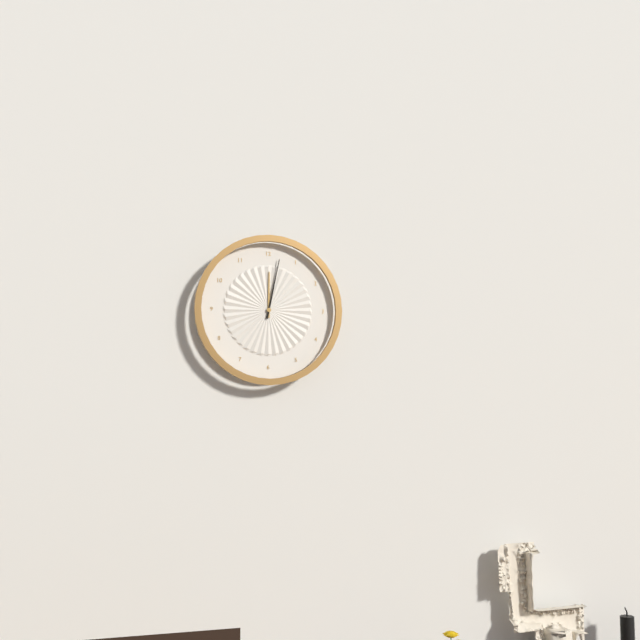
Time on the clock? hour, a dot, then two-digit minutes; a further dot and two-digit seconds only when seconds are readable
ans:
12.02
